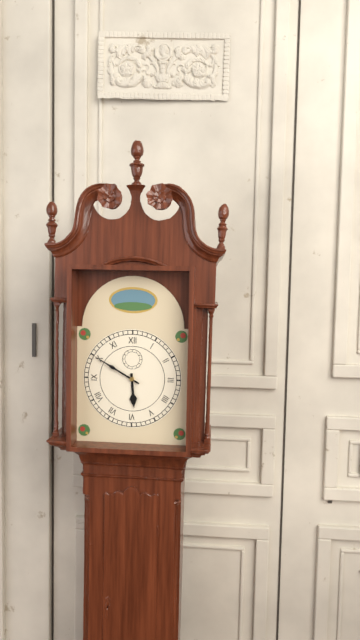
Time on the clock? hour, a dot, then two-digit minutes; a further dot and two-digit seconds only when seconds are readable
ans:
5.50
